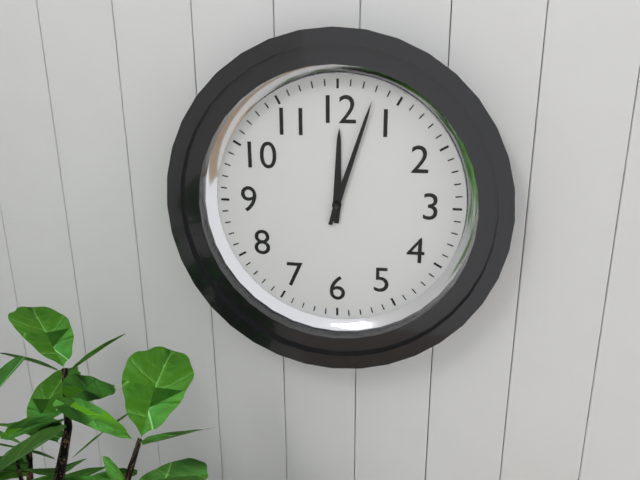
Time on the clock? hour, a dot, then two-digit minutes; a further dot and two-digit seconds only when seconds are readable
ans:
12.03
